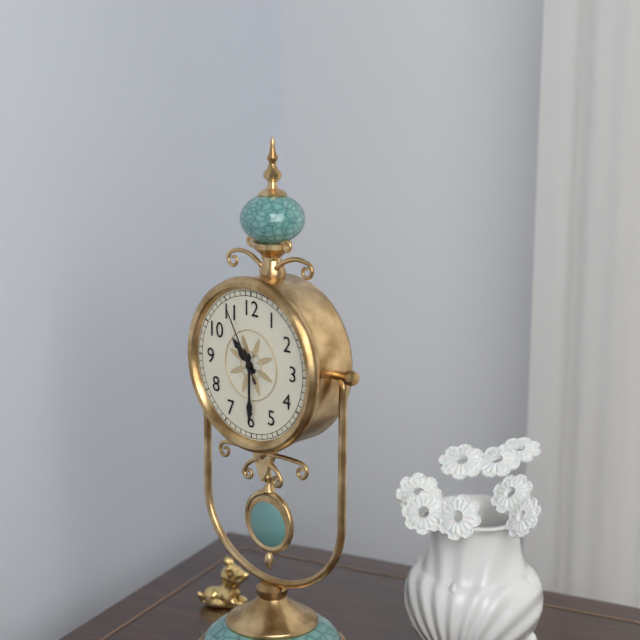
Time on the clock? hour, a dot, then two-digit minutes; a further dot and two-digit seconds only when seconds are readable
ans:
10.30.55
